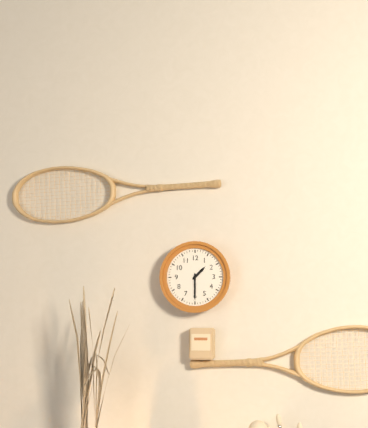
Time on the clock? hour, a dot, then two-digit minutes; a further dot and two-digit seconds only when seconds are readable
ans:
1.30
